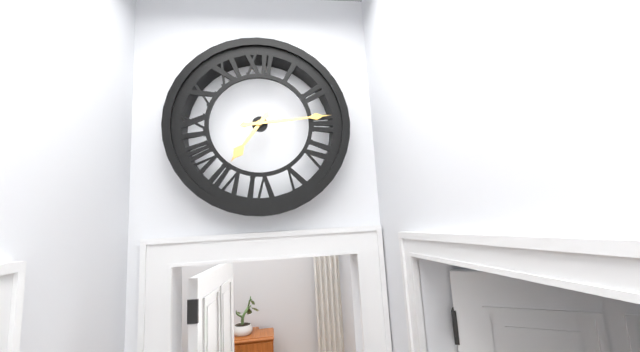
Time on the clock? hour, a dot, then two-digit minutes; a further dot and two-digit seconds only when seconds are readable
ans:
7.14
